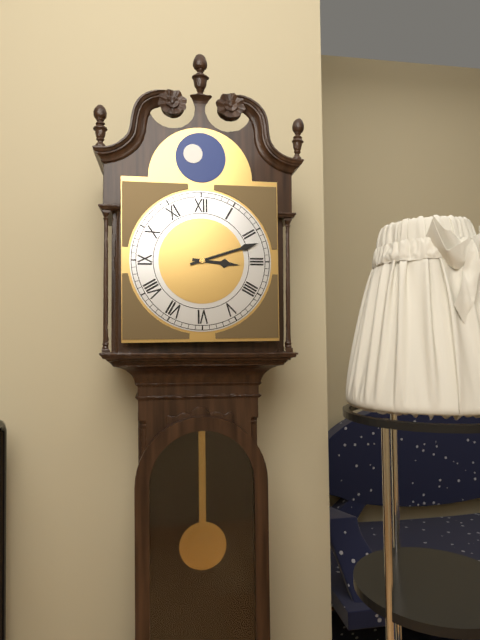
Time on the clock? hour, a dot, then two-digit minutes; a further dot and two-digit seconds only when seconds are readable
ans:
3.12
